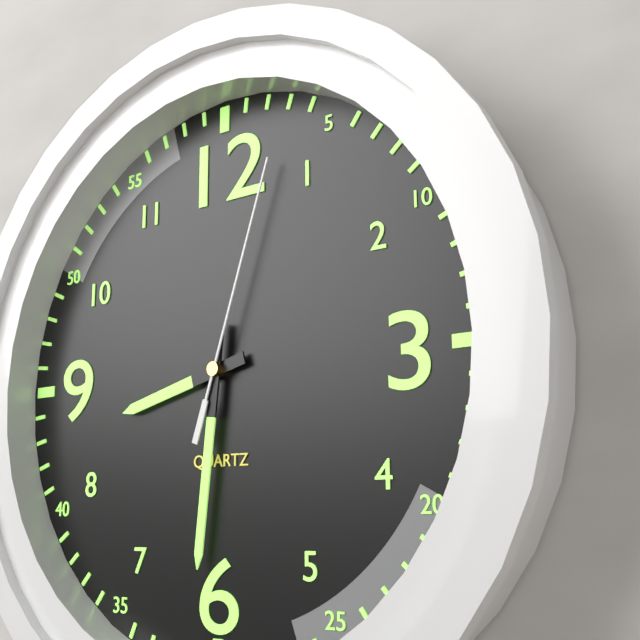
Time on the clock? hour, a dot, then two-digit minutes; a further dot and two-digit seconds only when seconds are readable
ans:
8.31.03
